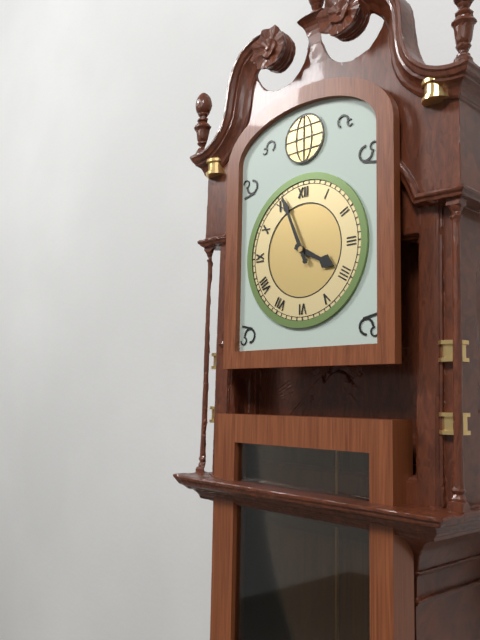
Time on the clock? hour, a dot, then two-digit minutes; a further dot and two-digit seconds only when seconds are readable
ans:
3.56
